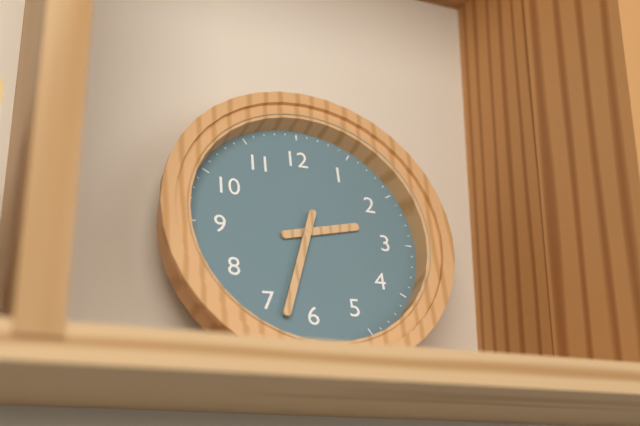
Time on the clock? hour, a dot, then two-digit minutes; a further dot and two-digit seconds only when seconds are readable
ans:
2.33
